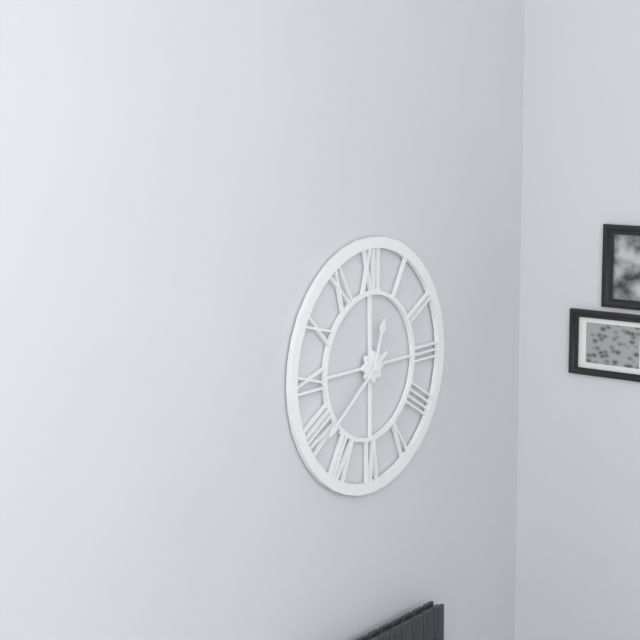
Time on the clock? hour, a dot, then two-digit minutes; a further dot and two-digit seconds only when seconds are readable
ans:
12.39
